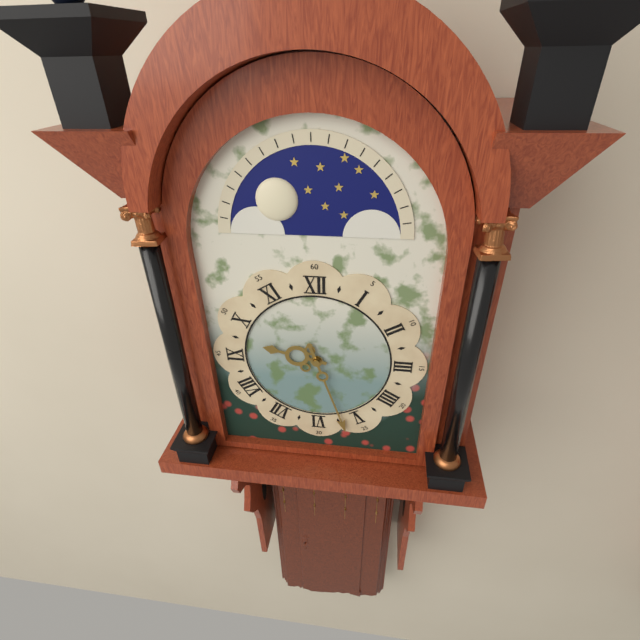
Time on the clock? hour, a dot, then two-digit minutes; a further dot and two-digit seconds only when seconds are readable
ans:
9.27
